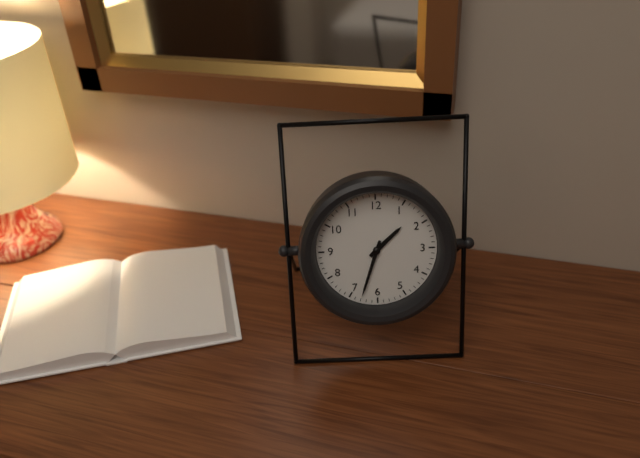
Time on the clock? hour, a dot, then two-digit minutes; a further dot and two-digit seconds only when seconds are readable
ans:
1.33
